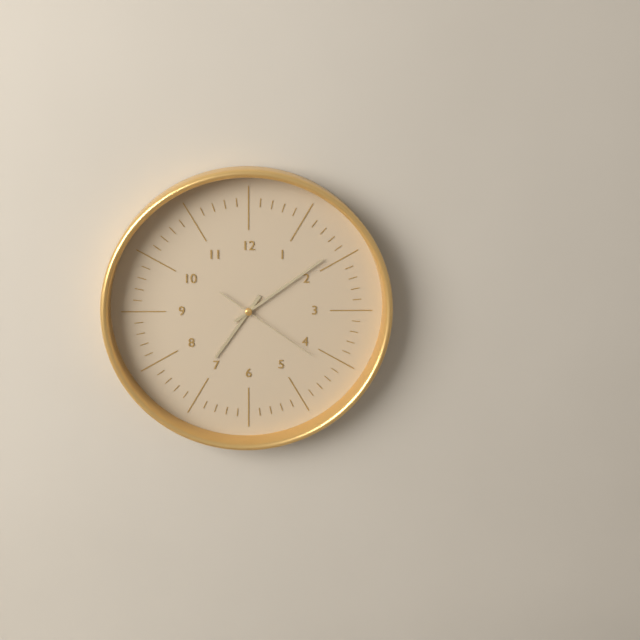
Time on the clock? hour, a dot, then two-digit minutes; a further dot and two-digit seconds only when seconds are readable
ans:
7.09.21
